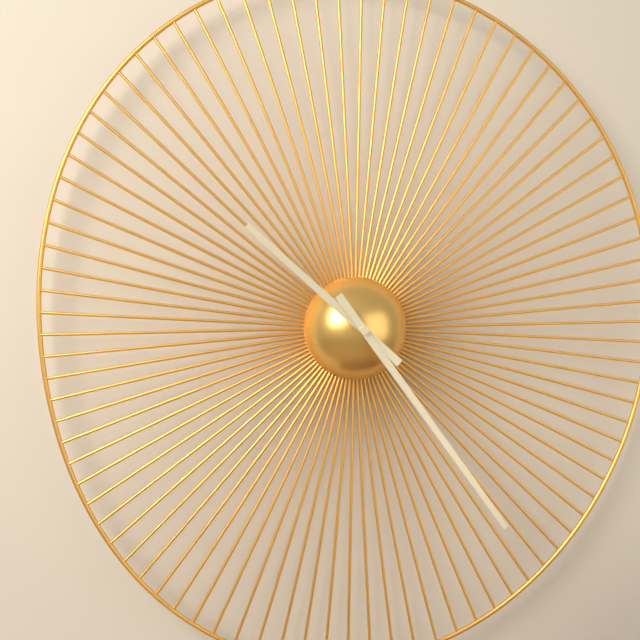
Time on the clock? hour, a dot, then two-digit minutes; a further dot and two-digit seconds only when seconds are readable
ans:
10.24
